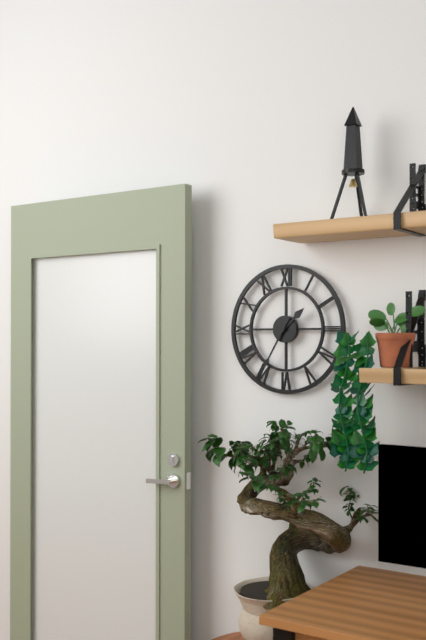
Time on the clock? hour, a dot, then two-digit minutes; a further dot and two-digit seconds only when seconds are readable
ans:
1.35
